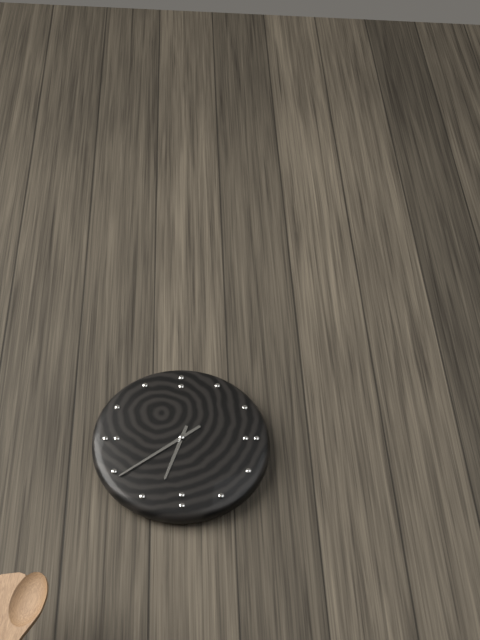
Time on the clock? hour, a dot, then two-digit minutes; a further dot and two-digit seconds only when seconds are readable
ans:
6.39
